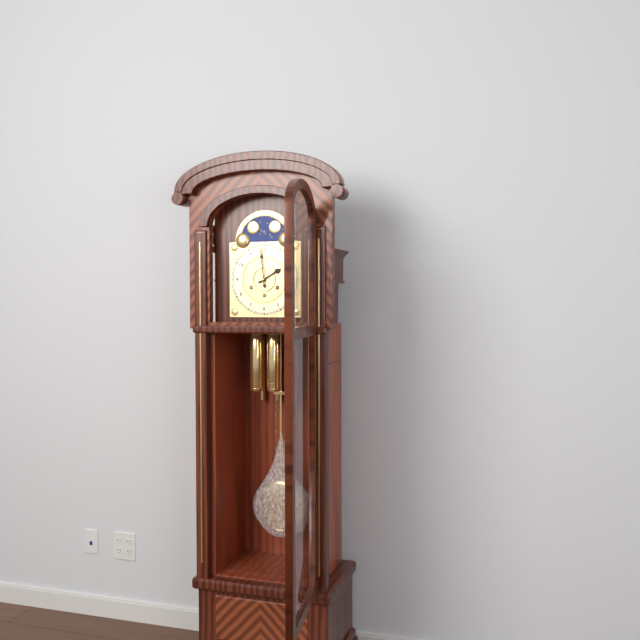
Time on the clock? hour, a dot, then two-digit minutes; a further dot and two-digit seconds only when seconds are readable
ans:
1.59
